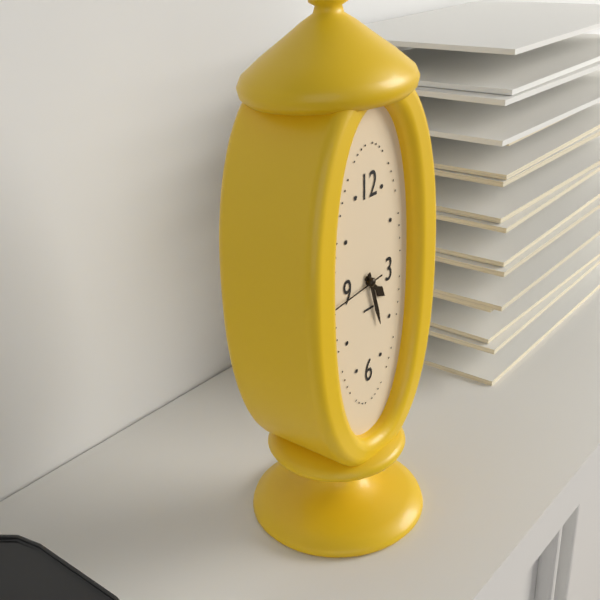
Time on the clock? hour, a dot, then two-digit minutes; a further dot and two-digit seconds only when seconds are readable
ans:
4.27.44
